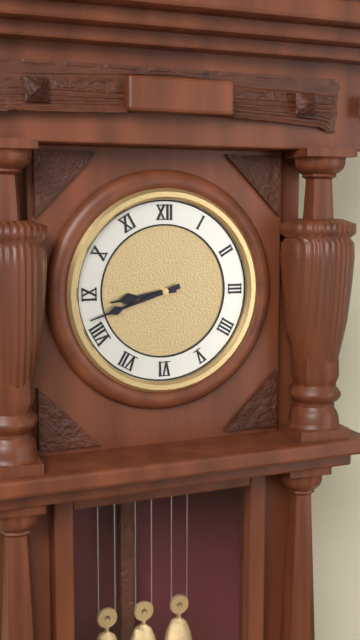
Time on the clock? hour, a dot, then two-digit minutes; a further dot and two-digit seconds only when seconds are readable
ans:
8.42
